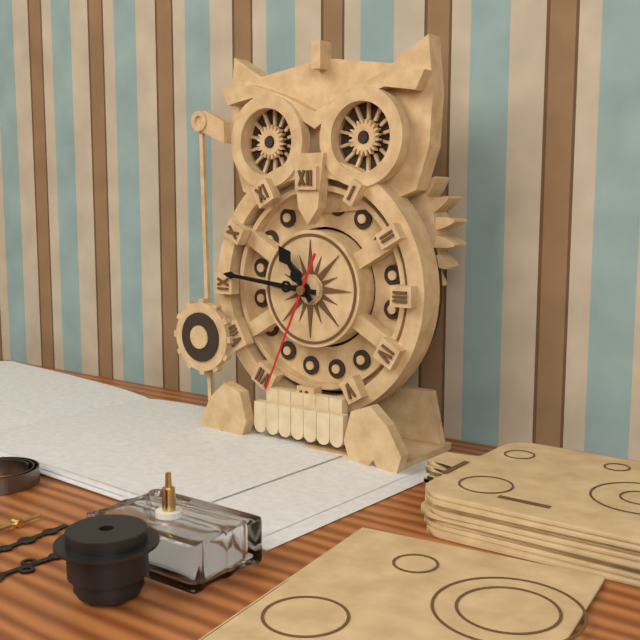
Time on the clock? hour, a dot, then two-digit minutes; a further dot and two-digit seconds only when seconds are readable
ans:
10.46.34
